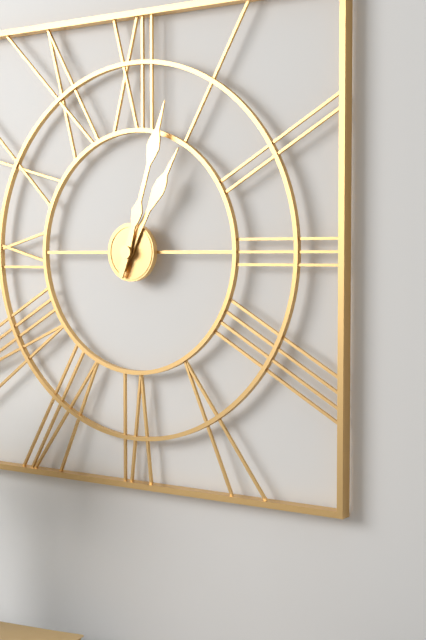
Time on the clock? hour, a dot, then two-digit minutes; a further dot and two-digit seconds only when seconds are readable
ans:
1.03
